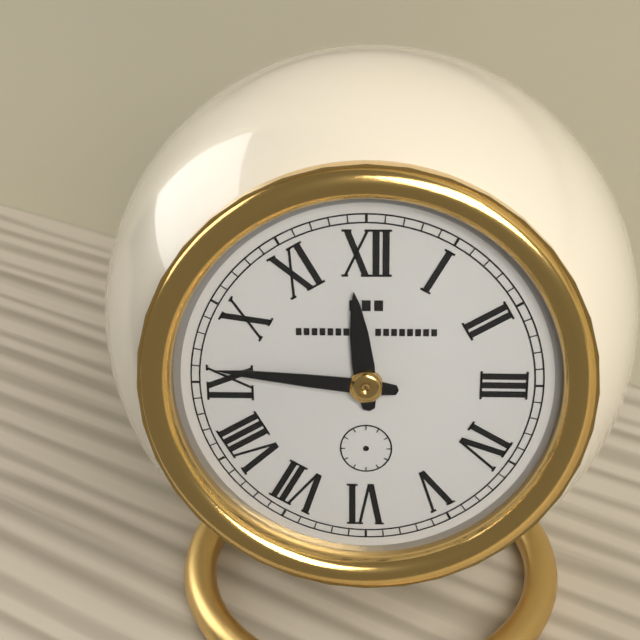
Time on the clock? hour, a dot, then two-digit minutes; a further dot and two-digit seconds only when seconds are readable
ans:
11.46
